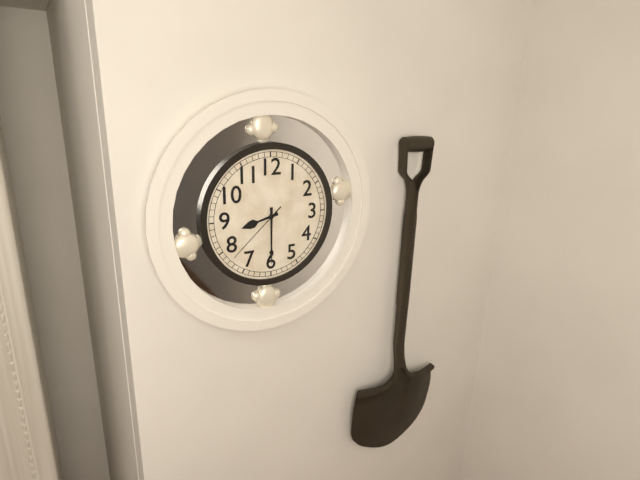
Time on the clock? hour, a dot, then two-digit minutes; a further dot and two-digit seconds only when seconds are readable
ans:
8.30.38
